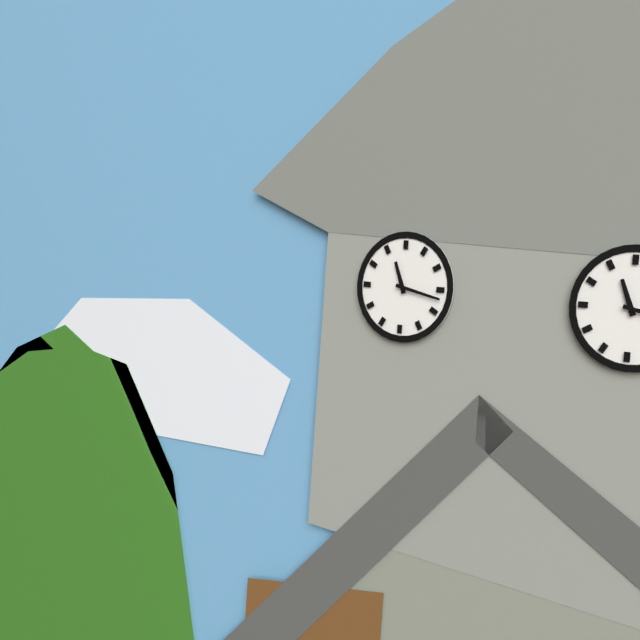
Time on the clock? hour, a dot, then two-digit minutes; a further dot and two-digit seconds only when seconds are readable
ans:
11.17
